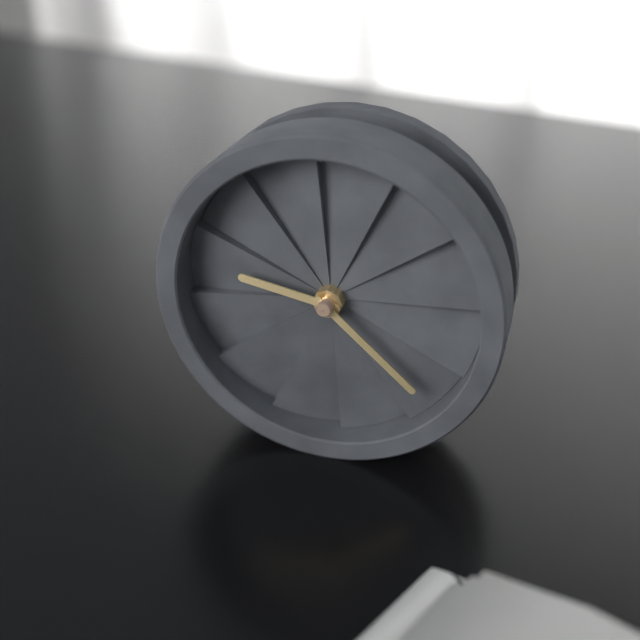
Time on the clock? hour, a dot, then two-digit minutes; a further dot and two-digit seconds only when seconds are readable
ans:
9.22
